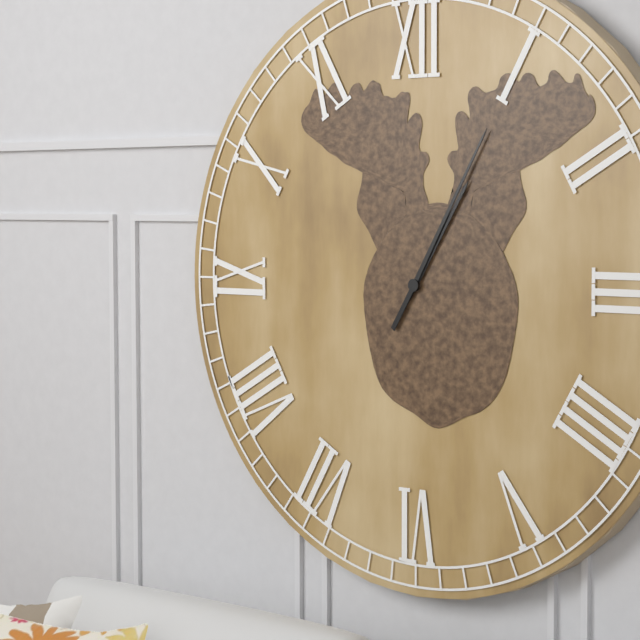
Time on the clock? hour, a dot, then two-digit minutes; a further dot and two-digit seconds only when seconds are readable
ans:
1.05
